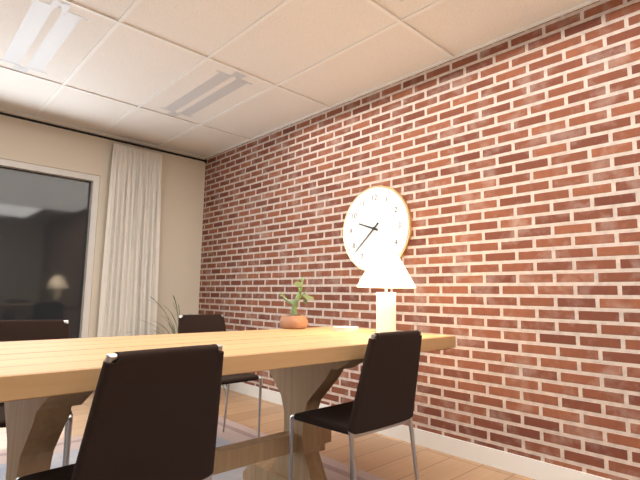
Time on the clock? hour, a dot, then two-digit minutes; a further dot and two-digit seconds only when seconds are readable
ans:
9.38
